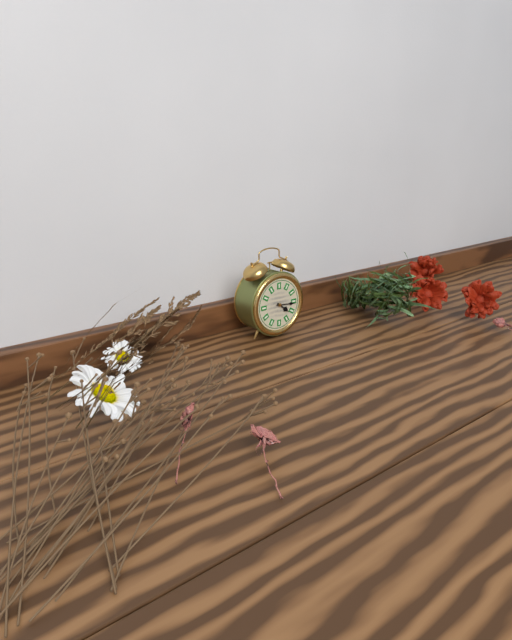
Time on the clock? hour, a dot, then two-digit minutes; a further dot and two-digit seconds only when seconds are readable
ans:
4.16
